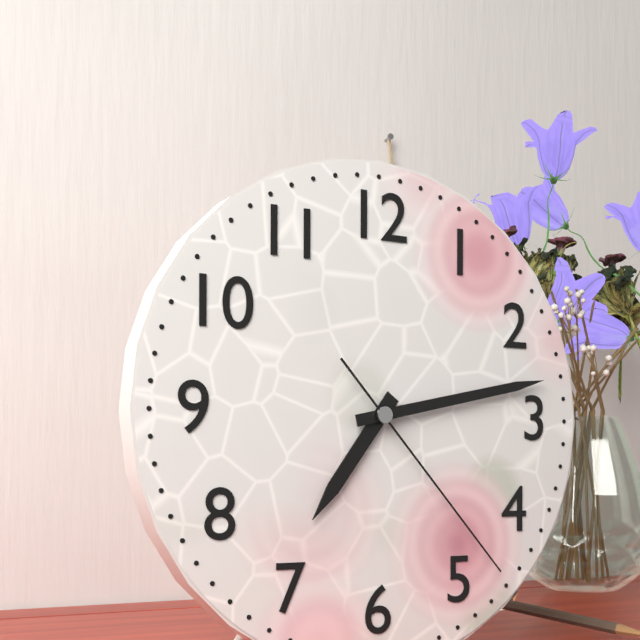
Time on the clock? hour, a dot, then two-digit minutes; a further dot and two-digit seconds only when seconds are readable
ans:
7.13.23
